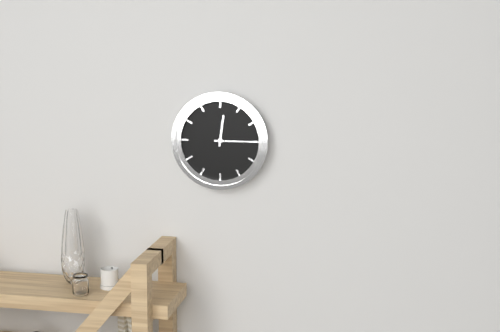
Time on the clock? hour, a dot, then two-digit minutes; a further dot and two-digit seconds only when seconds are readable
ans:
12.15
